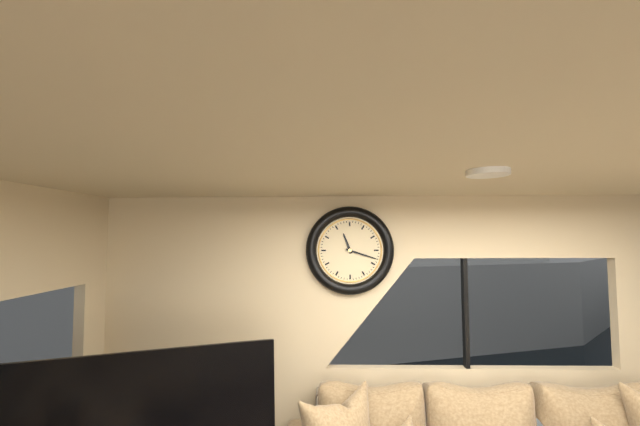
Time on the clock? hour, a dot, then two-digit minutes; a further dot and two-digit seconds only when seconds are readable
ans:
11.18
